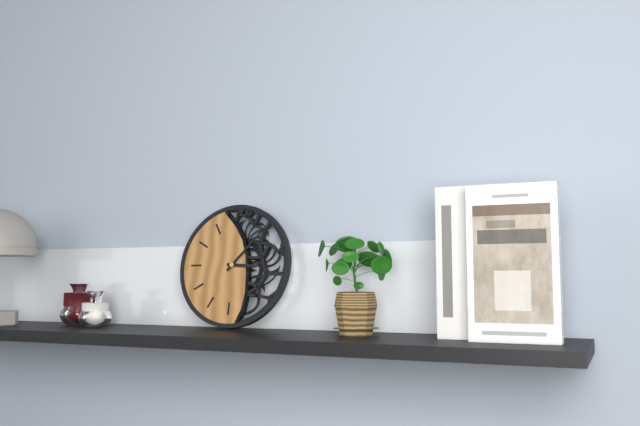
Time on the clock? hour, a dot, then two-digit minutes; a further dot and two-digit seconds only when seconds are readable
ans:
3.07
